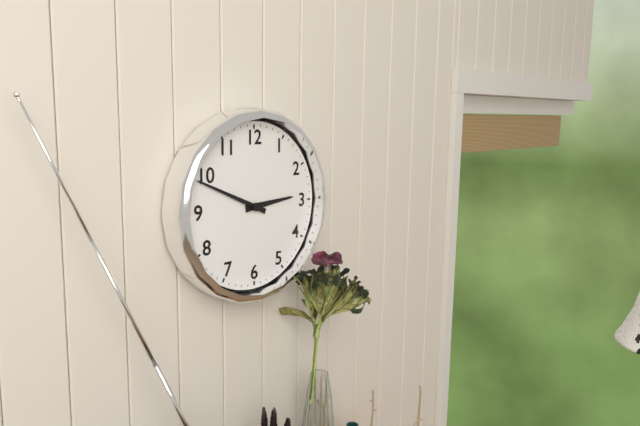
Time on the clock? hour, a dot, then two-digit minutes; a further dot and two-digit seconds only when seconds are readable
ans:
2.49
